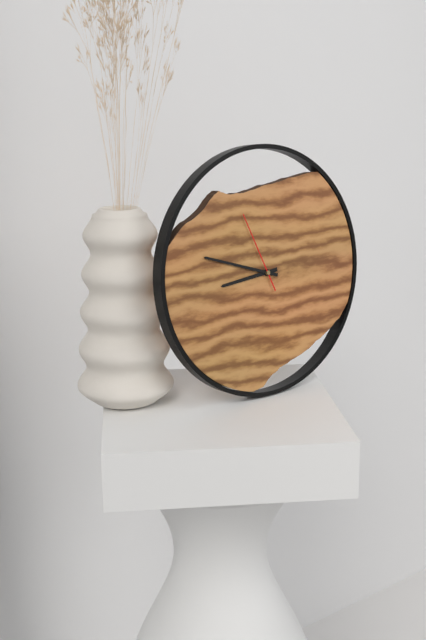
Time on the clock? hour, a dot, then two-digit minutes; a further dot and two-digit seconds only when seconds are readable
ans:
8.48.56
